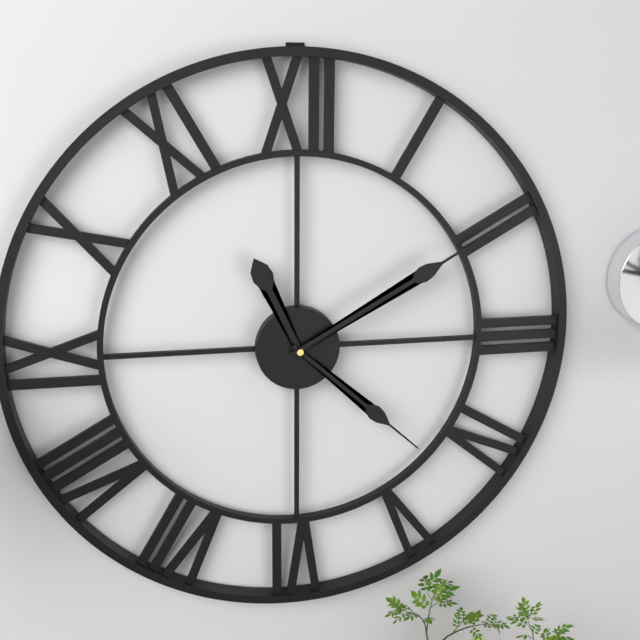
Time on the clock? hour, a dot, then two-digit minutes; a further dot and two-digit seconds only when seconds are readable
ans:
11.10.22
